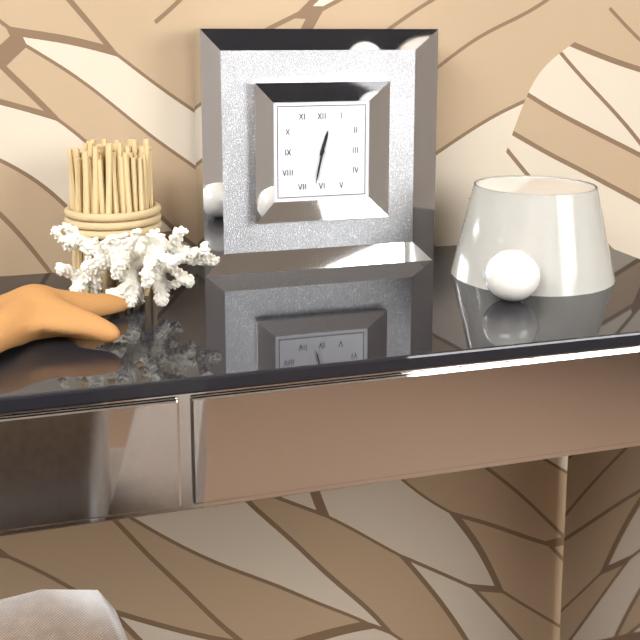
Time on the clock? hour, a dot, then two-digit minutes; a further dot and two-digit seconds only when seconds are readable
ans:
12.32
